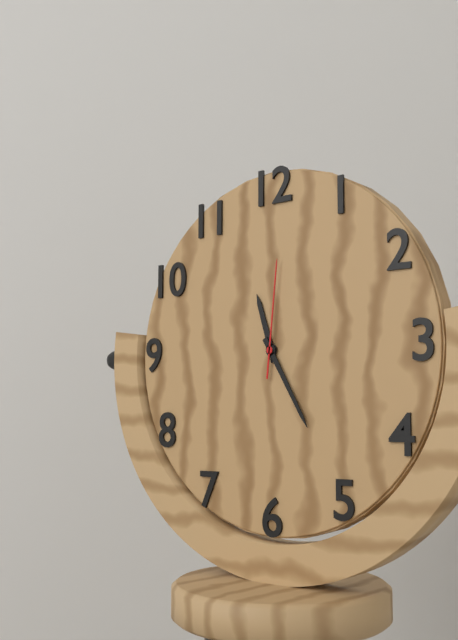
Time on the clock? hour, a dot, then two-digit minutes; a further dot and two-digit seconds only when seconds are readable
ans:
11.25.01
